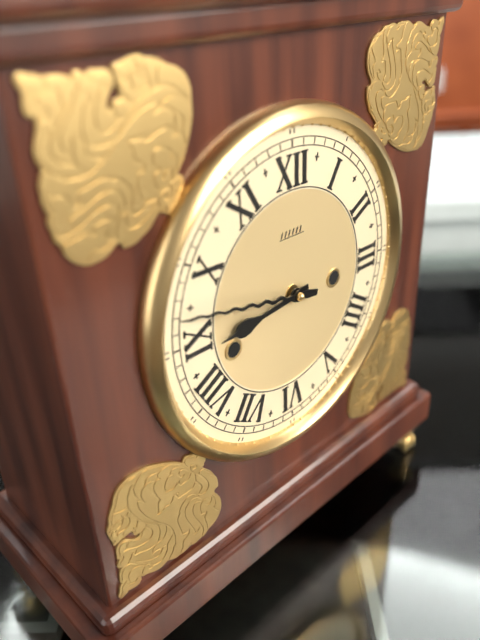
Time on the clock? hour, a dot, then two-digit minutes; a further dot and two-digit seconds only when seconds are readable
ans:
8.47
